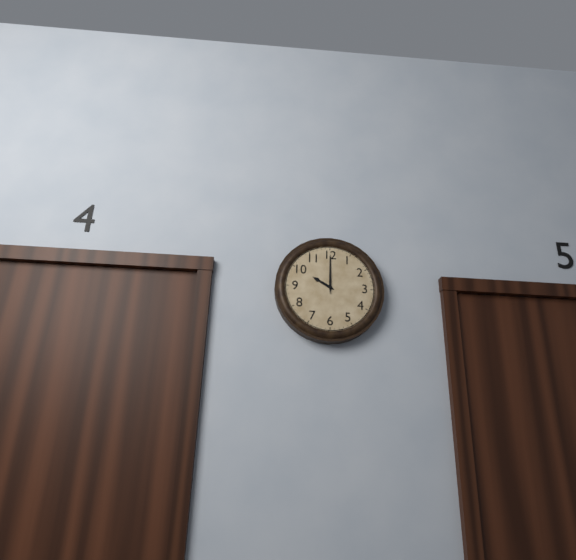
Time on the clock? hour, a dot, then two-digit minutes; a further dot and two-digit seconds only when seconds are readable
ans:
10.00
